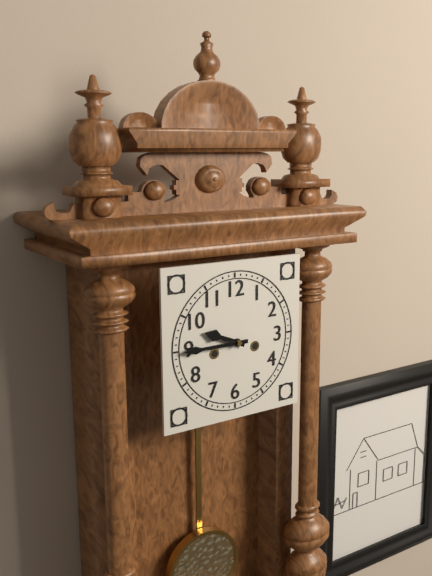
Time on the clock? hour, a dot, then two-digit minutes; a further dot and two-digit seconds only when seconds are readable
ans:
9.45
